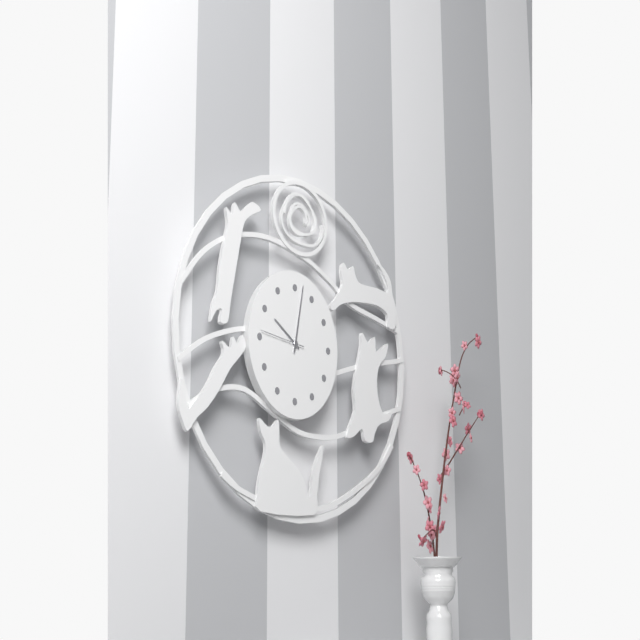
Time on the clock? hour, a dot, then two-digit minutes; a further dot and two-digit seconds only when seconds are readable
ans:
10.02
